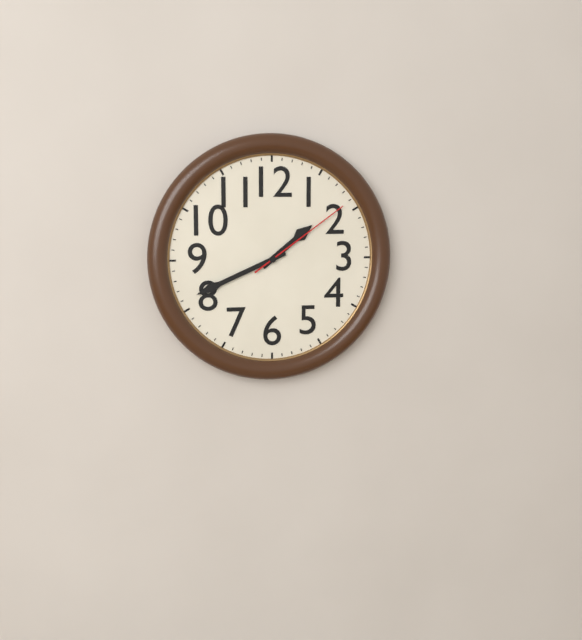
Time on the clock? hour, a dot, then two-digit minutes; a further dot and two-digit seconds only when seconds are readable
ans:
1.41.09
